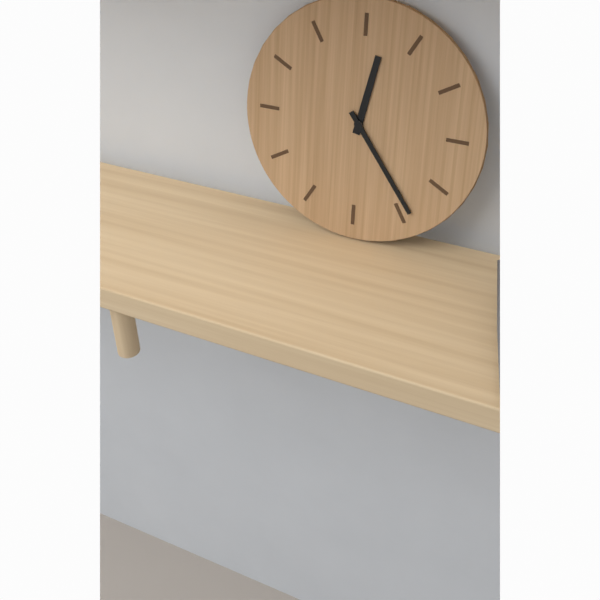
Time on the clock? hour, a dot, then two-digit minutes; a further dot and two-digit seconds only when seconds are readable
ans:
12.24
